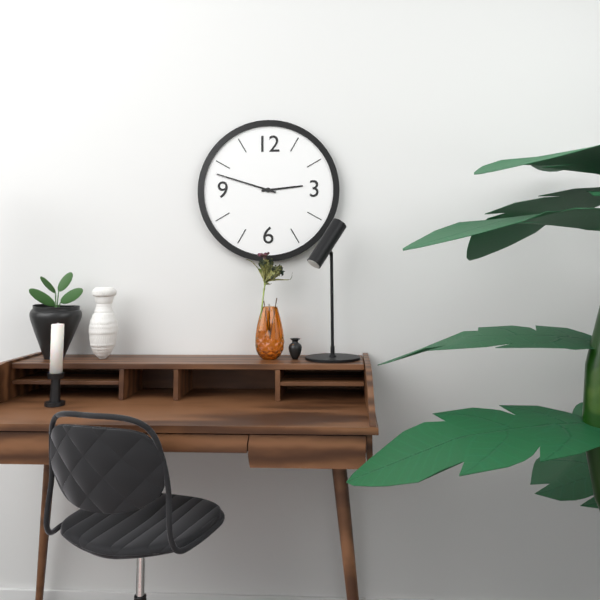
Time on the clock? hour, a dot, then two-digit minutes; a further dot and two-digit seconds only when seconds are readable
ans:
2.48
